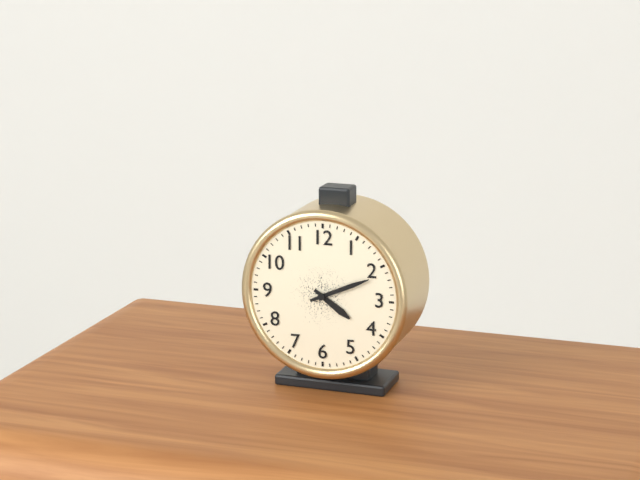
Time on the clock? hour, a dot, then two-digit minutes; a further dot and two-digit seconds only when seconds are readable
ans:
4.11
